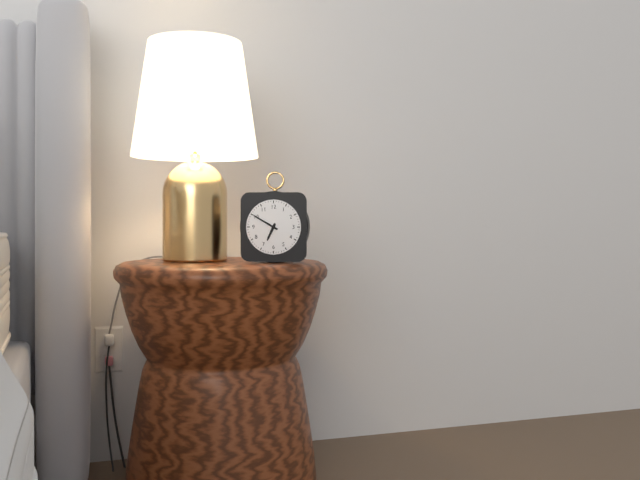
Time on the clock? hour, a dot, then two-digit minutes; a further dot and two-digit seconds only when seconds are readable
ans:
6.50
